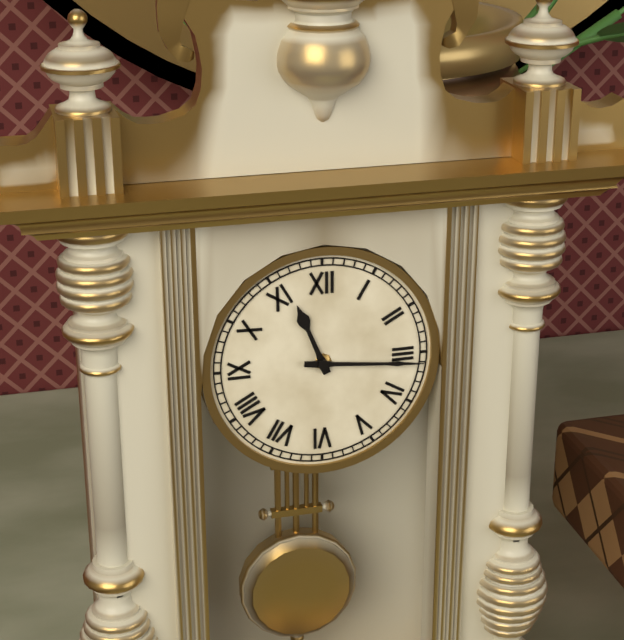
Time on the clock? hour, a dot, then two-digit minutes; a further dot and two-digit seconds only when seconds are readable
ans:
11.16
